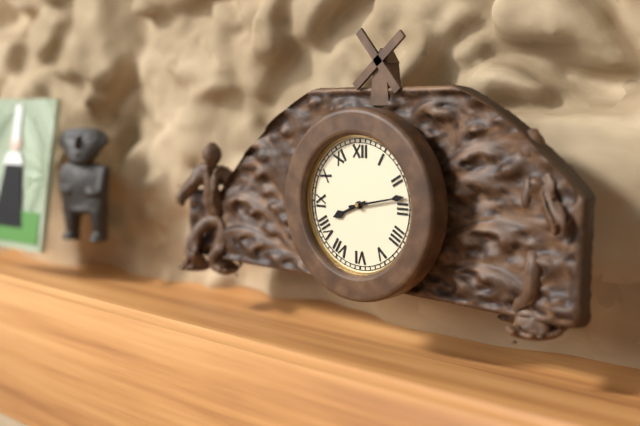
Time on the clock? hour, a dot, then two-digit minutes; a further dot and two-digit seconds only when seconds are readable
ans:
8.13
